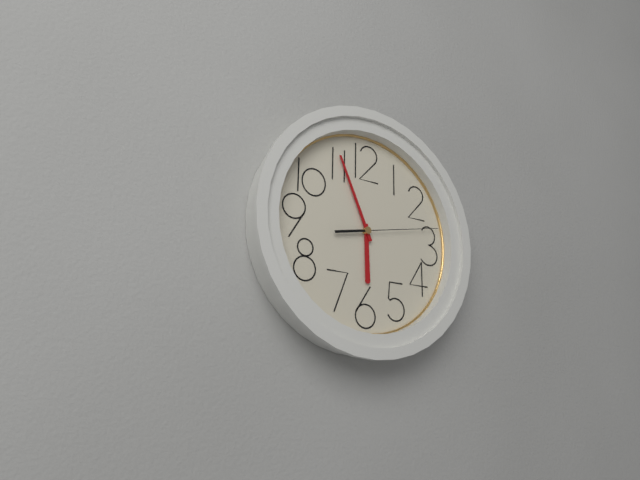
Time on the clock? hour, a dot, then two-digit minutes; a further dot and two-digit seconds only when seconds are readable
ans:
5.56.13
